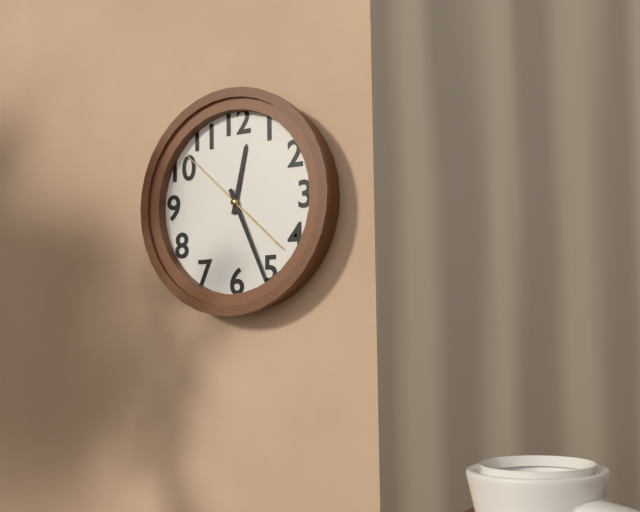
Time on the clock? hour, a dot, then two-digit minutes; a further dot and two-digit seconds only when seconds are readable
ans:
12.26.52
